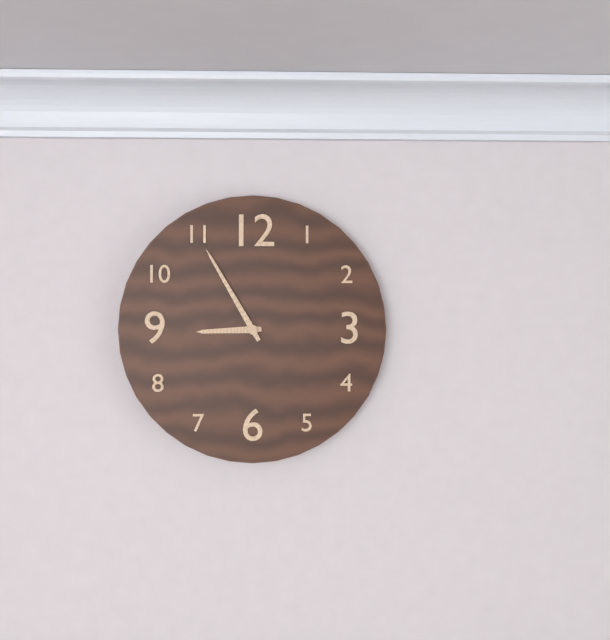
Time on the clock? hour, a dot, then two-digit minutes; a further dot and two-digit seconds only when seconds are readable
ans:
8.55
